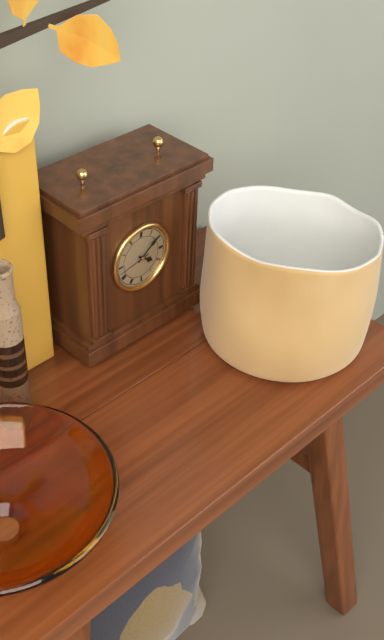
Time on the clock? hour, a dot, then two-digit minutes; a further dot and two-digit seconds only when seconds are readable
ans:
4.09
